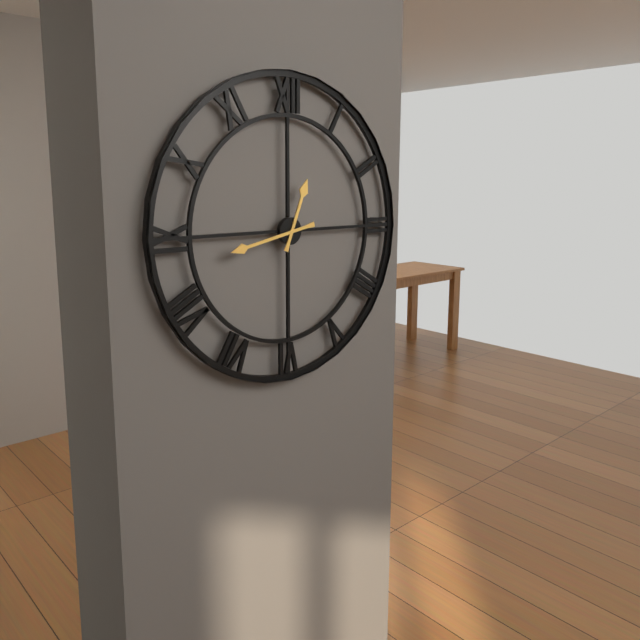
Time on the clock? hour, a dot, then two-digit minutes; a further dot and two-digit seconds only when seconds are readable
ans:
12.43
